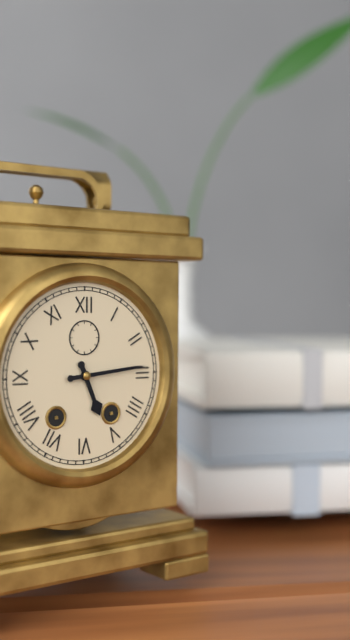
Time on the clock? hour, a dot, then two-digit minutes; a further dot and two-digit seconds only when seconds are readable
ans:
5.14
